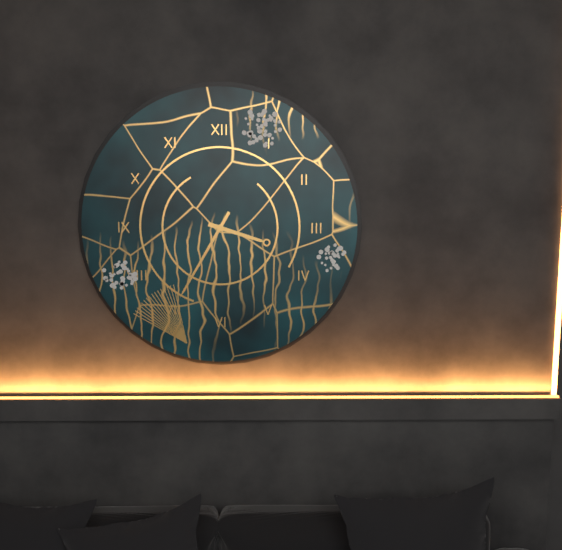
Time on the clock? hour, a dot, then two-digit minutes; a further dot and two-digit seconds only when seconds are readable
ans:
3.35
